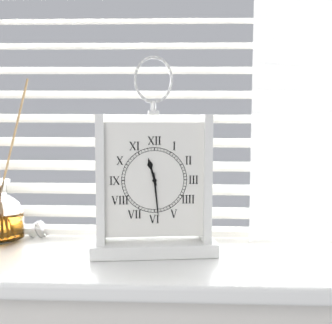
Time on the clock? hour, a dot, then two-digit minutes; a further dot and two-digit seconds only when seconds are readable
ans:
11.29
